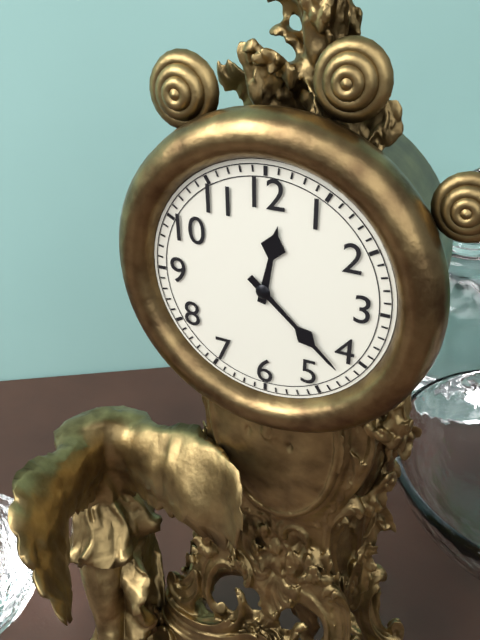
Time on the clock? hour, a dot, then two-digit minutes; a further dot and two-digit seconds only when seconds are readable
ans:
12.22
